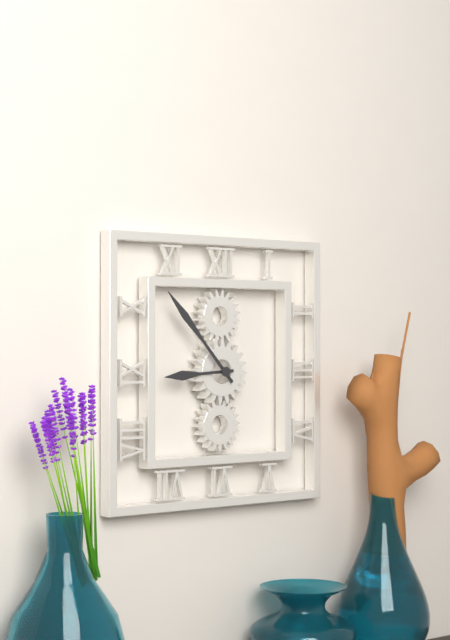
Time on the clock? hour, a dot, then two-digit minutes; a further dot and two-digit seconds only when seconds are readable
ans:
8.53
